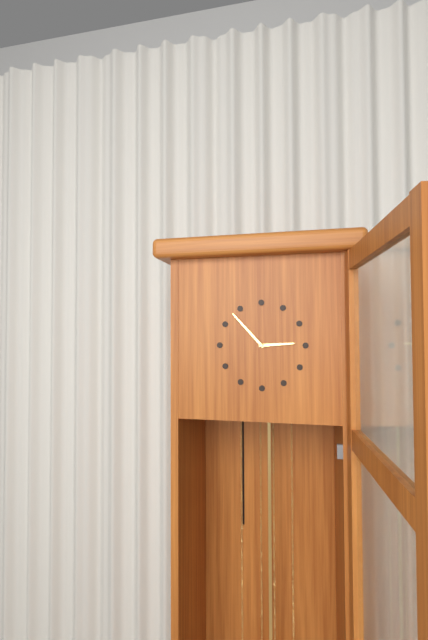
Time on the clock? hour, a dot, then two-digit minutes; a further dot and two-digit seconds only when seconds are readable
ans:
2.53
